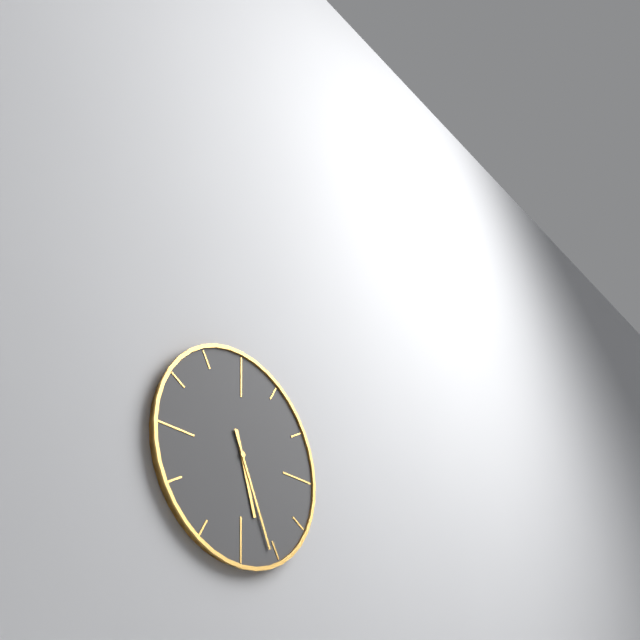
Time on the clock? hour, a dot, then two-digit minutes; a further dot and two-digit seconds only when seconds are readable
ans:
5.26
